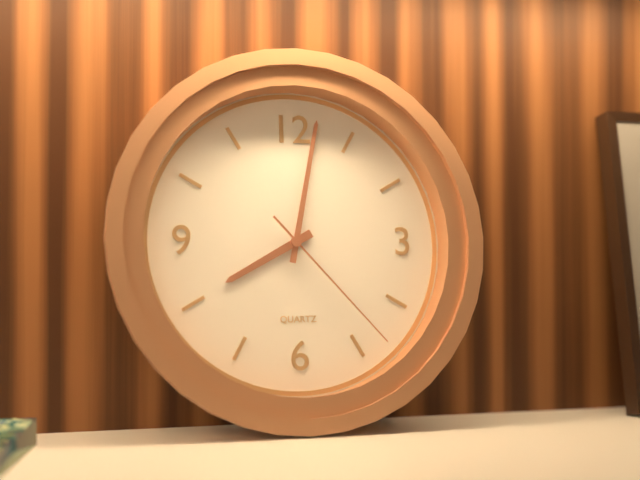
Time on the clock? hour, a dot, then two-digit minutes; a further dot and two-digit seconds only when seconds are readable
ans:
8.02.23
